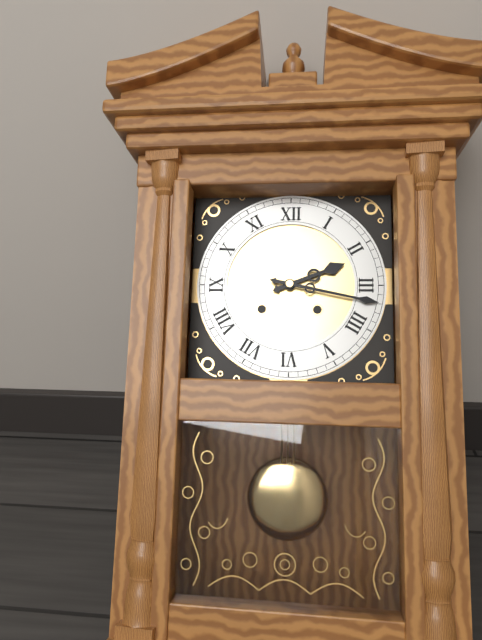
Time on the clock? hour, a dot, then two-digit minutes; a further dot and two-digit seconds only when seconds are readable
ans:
2.17
